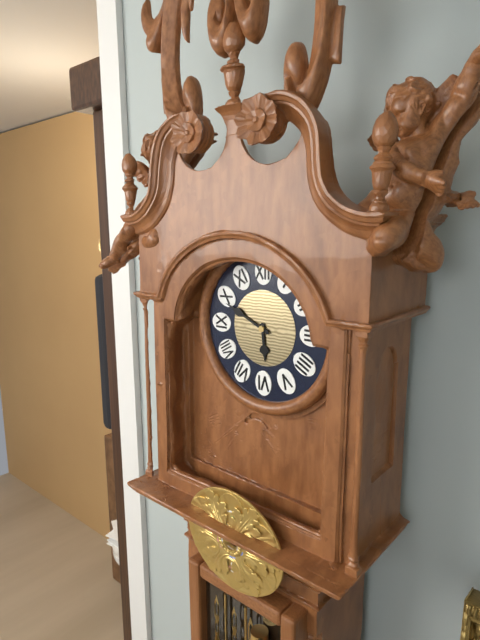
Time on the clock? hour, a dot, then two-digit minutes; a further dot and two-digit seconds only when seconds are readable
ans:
5.49
